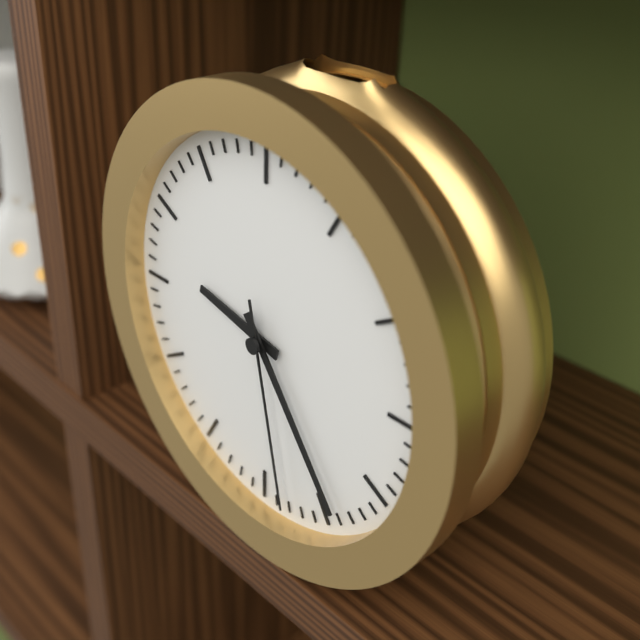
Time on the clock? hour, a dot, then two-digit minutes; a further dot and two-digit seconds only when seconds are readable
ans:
9.24.28
